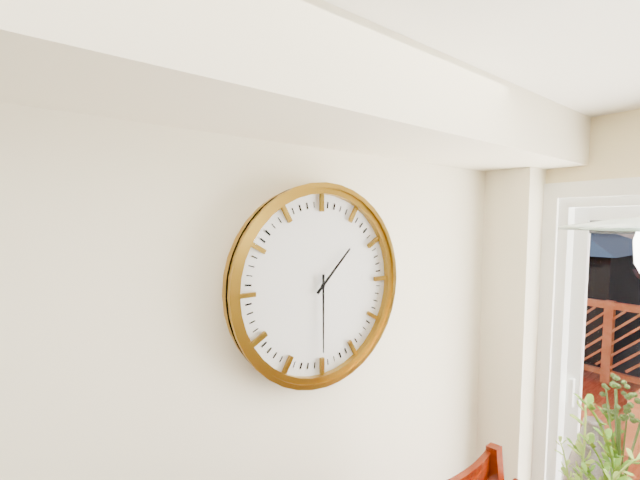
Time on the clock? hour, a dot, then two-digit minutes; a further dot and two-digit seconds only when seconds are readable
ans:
1.30
